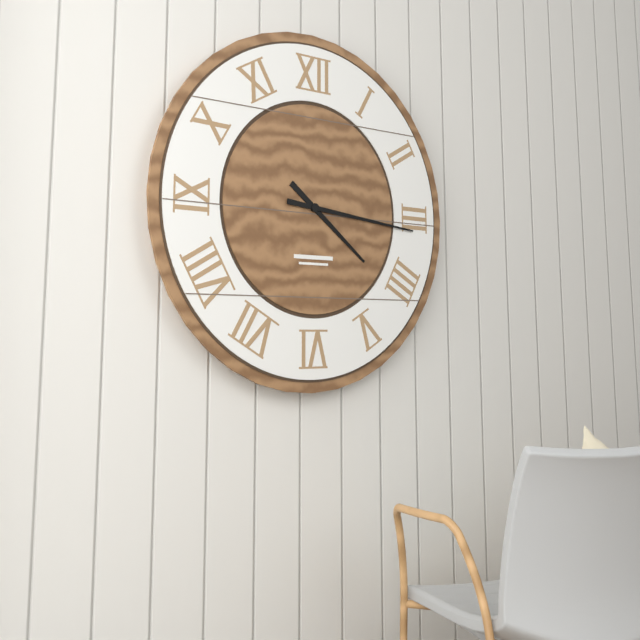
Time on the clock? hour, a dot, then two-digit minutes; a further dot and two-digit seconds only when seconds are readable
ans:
4.16
